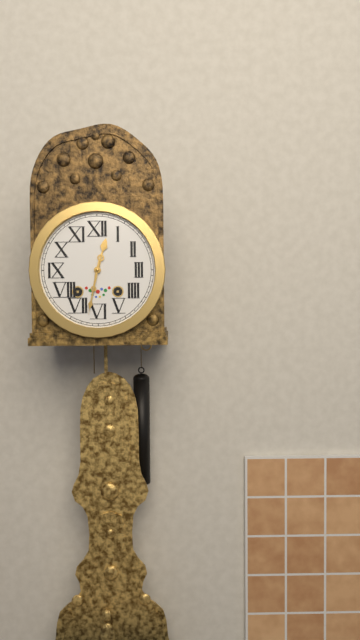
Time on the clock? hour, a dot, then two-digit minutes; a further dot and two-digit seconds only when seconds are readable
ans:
12.32
